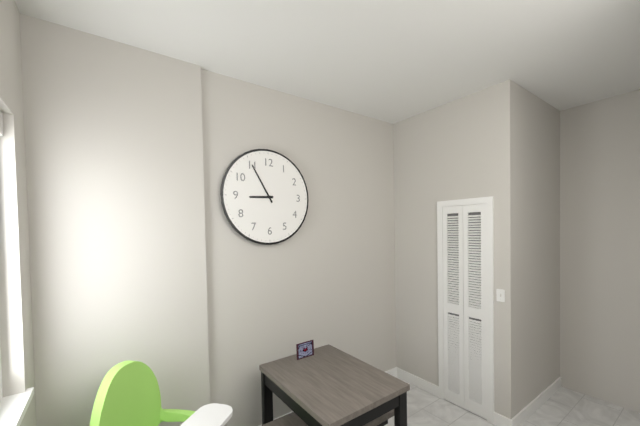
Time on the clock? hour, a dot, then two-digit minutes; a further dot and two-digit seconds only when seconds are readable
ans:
8.55
